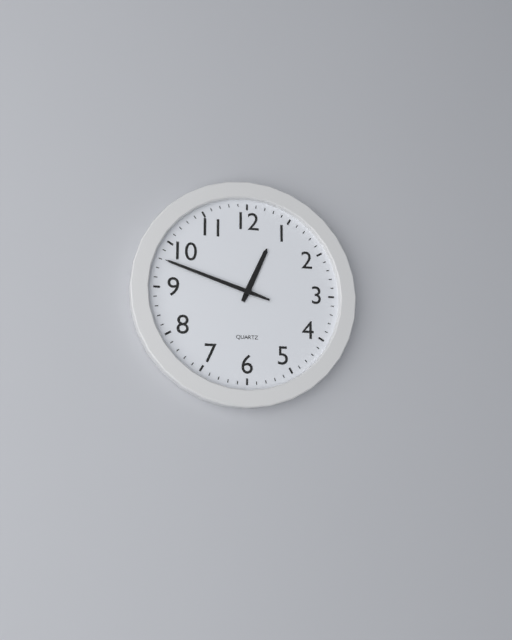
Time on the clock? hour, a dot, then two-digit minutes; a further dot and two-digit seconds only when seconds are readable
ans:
12.48
